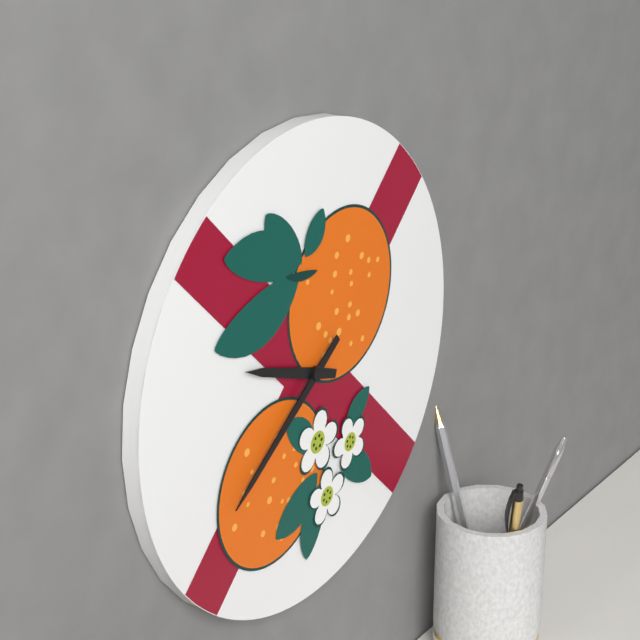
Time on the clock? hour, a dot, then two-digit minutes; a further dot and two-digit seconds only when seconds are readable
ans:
9.39
